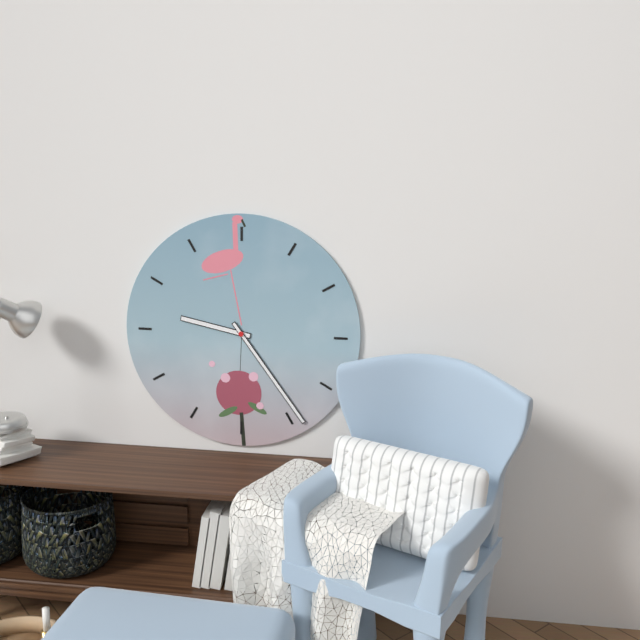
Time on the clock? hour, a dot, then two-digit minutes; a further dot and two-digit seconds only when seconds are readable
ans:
9.24
